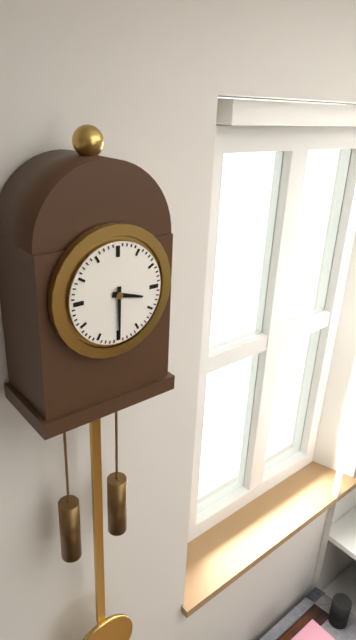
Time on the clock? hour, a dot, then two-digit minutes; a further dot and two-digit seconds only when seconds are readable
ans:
3.30
